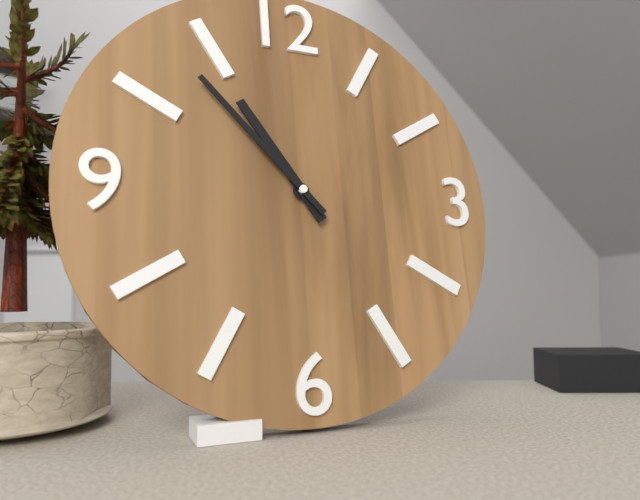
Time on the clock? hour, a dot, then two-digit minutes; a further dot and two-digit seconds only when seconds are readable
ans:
10.53
